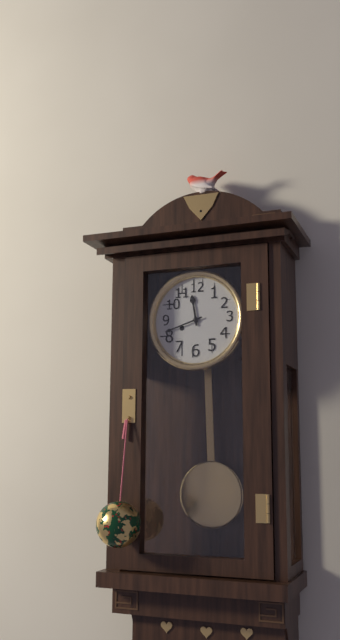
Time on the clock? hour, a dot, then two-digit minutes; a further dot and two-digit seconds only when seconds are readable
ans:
11.42
